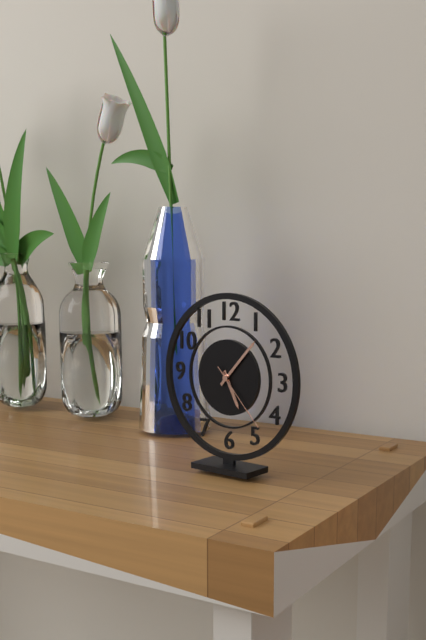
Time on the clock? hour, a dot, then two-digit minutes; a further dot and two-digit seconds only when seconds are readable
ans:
5.07.23
